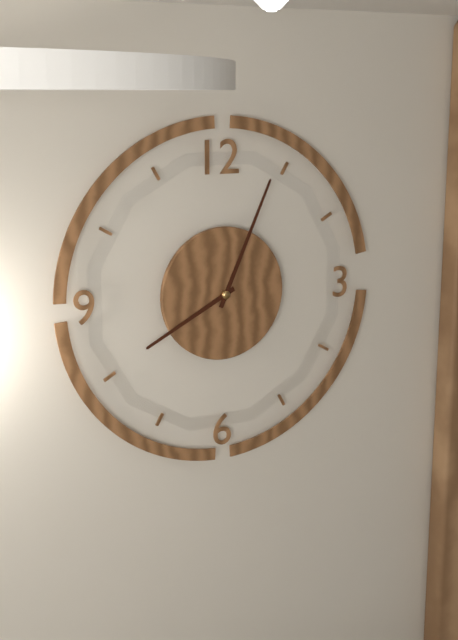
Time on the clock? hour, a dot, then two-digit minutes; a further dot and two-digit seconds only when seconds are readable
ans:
8.04
